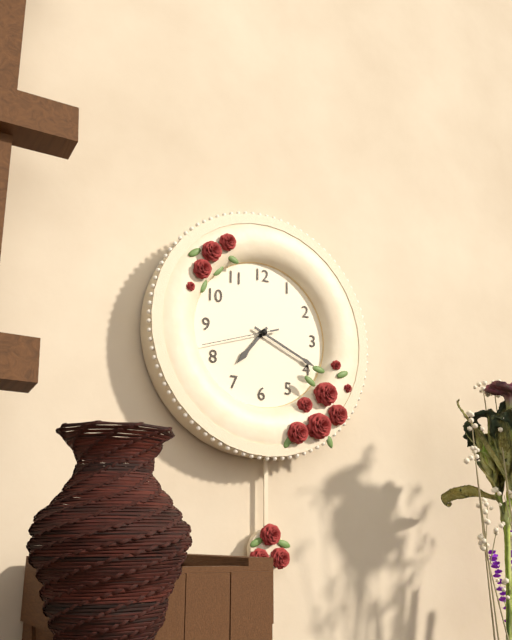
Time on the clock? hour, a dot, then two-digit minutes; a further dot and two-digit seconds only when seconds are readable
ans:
7.19.42
